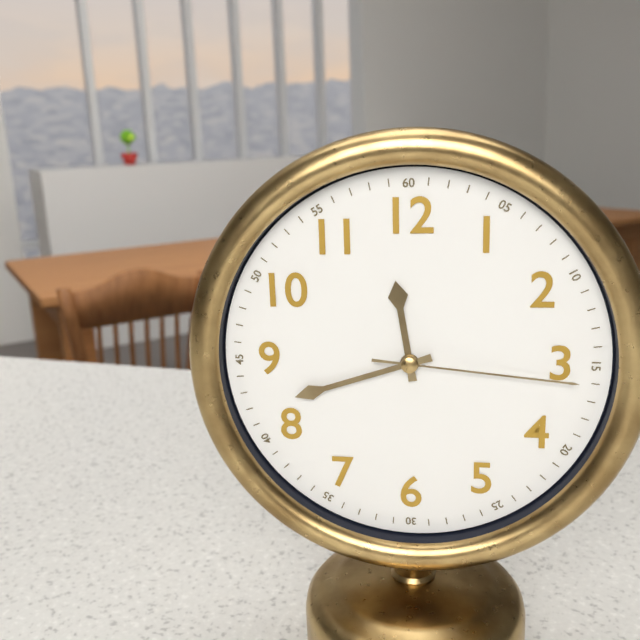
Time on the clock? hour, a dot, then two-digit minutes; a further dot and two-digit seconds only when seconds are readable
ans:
11.42.16
